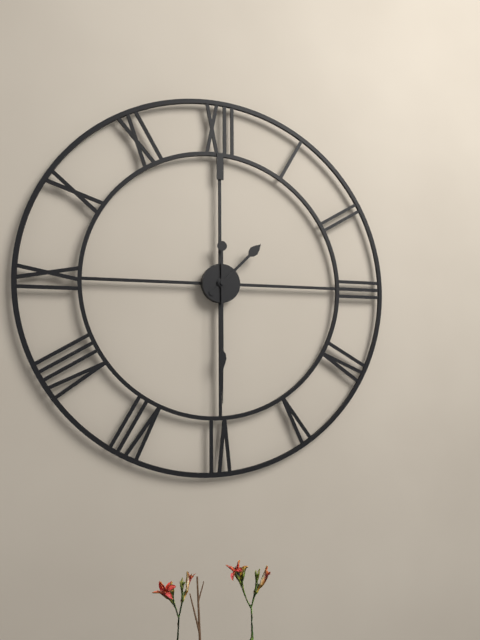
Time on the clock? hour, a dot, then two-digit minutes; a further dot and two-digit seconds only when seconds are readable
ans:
1.30
